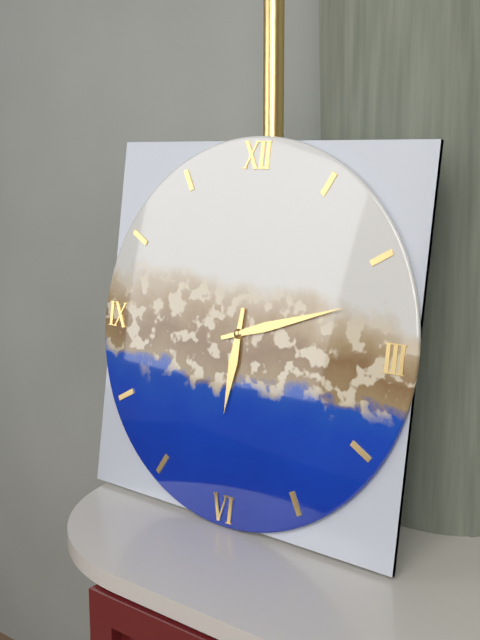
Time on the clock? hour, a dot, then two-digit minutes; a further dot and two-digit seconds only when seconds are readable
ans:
6.12
